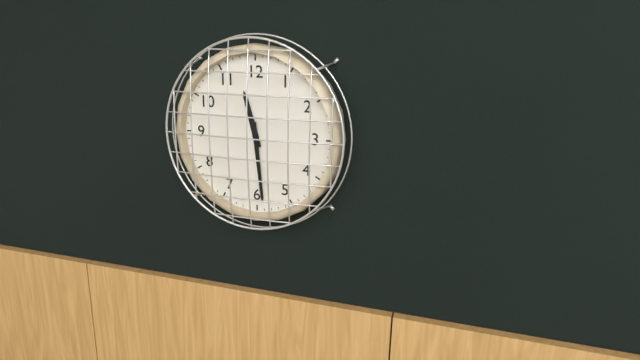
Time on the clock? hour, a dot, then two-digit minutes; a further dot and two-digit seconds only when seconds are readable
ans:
11.29
